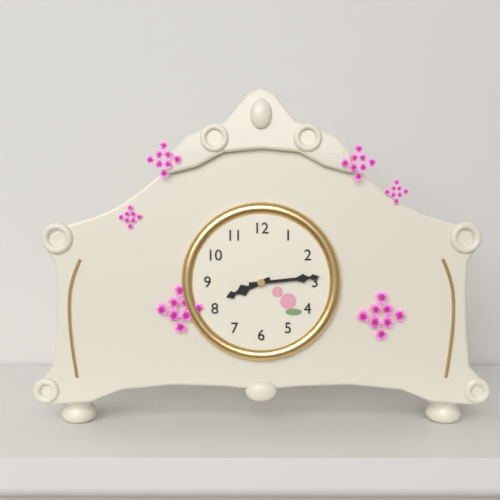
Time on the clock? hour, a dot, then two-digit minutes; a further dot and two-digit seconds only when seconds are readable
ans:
8.14
